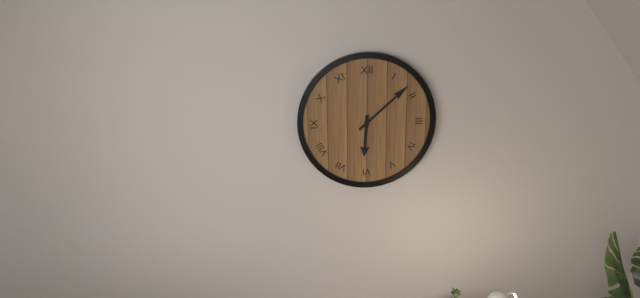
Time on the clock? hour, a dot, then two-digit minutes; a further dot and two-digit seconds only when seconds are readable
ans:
6.08
